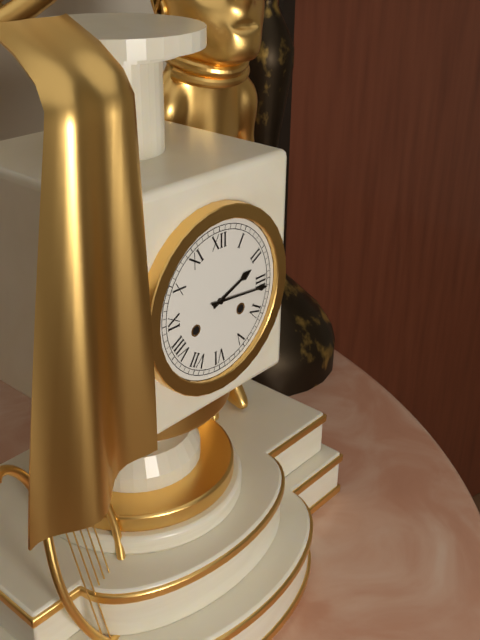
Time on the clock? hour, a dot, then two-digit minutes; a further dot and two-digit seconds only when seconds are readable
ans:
2.16
